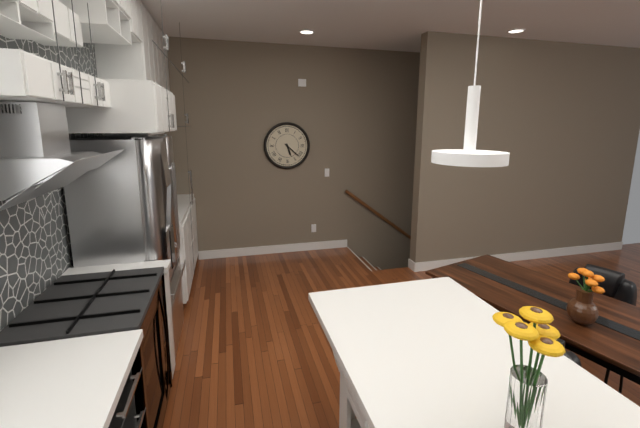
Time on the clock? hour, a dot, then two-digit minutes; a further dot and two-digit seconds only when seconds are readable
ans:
5.22
